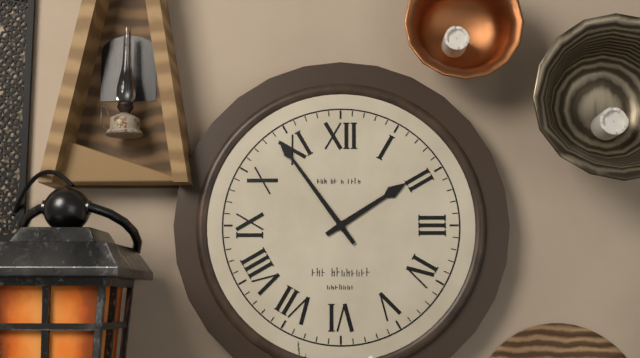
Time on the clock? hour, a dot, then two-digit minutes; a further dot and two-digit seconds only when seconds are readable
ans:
1.54
